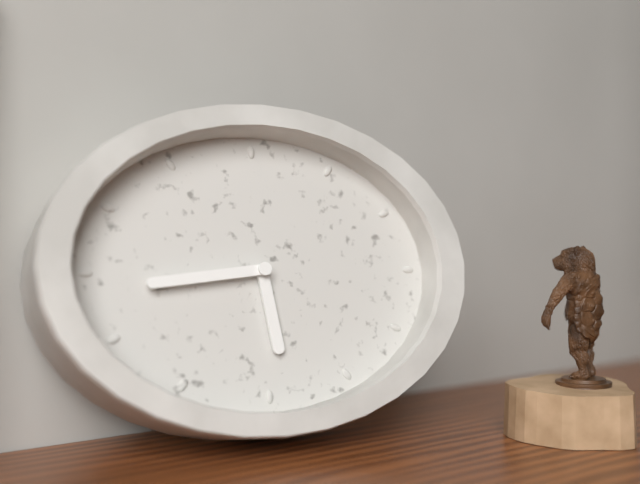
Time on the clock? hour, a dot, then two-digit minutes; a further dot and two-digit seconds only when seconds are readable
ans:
5.44
